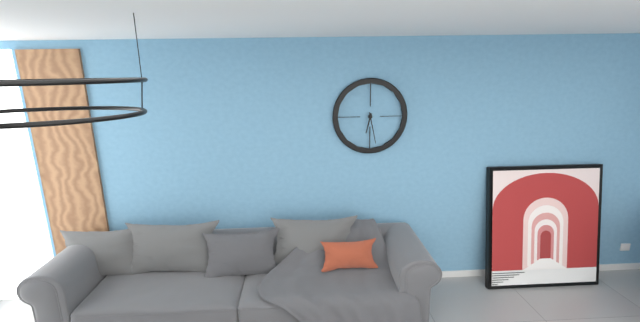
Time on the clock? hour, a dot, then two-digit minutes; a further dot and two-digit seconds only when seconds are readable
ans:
6.28
